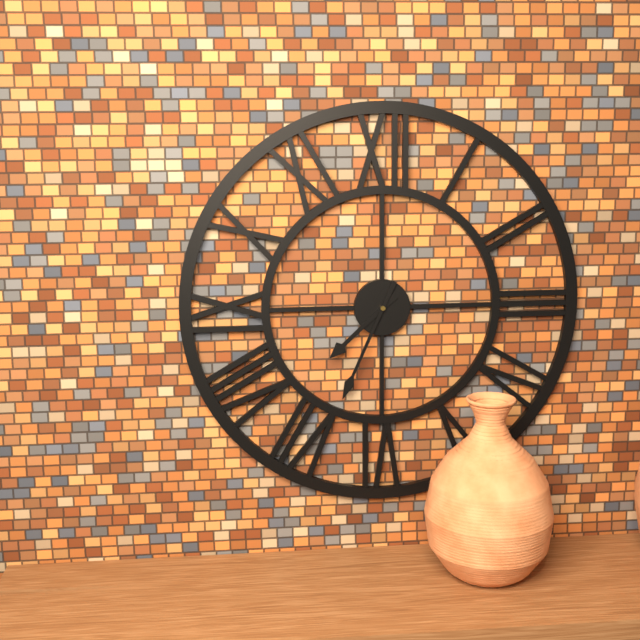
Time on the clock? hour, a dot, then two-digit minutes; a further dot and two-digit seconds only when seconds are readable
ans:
7.34
